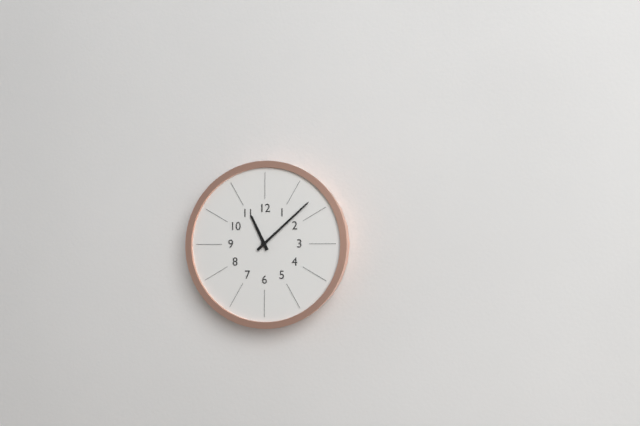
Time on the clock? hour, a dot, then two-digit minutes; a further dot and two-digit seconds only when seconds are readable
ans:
11.08
